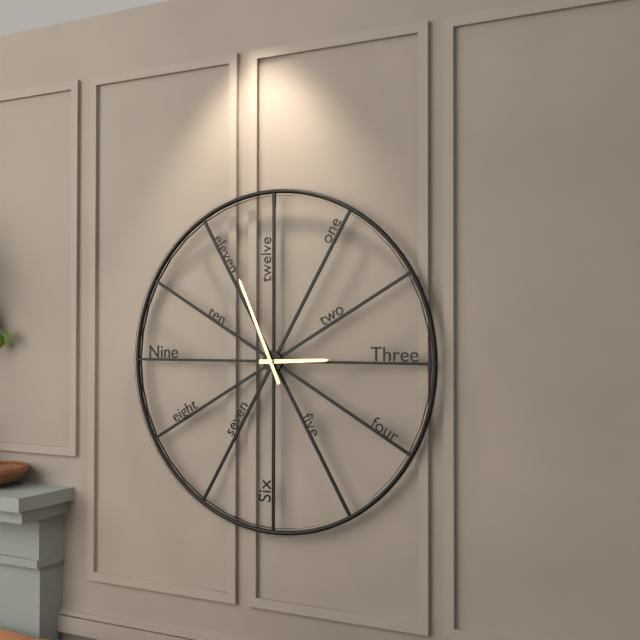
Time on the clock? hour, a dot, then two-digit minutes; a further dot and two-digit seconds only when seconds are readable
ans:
2.56
